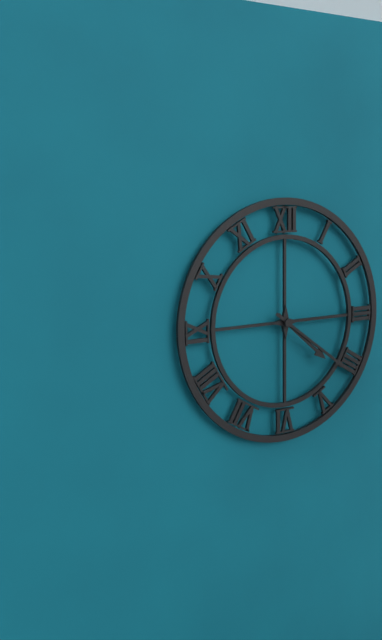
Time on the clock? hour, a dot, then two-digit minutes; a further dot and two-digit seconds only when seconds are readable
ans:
4.21
